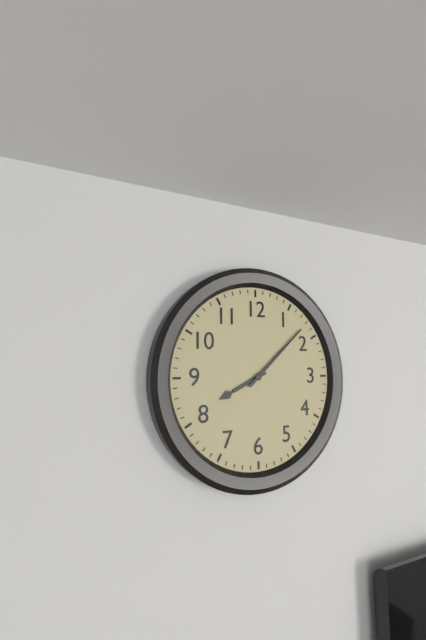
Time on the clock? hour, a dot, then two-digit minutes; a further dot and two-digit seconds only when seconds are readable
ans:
8.08
